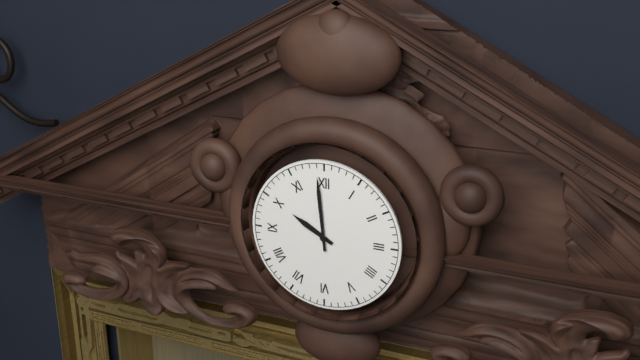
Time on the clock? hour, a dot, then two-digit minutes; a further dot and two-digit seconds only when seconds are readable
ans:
9.59
